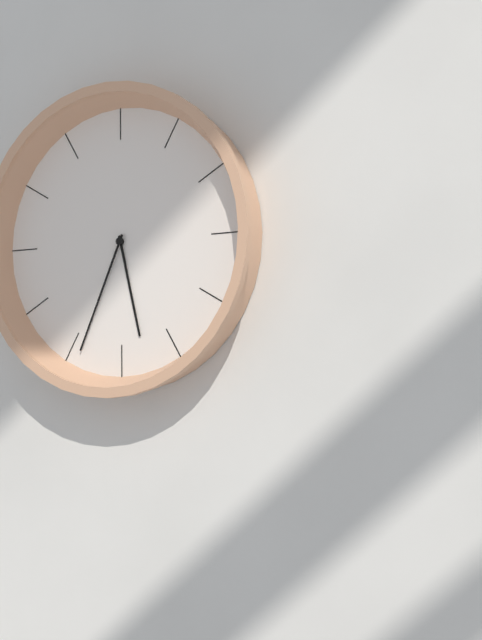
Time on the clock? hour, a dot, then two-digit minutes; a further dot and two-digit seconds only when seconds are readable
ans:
5.34
